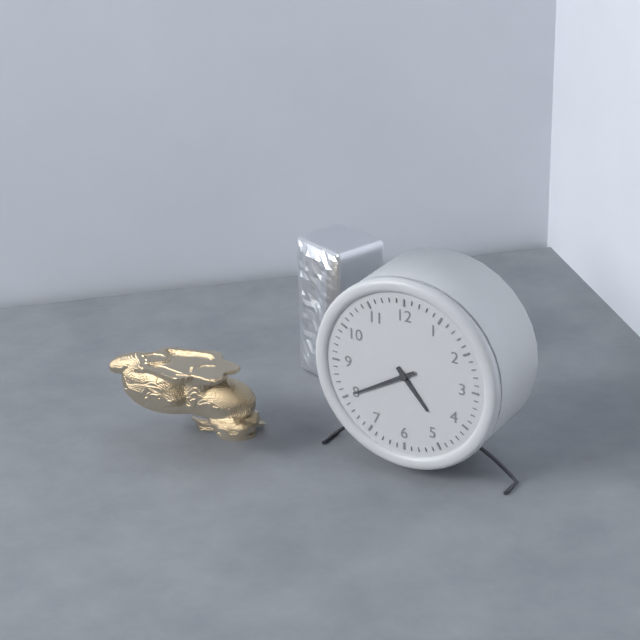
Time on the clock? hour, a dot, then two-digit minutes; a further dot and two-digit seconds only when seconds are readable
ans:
4.40
